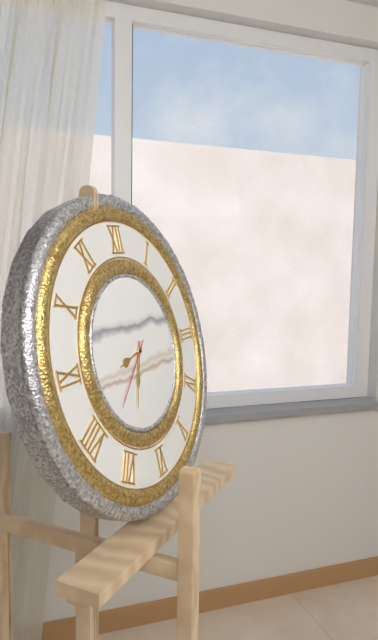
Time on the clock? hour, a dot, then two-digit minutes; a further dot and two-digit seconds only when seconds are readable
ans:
8.34.38
